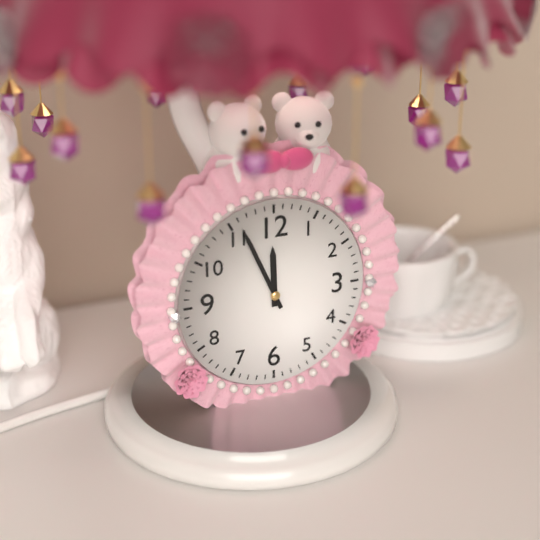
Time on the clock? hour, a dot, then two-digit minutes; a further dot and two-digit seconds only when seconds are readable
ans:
11.56
